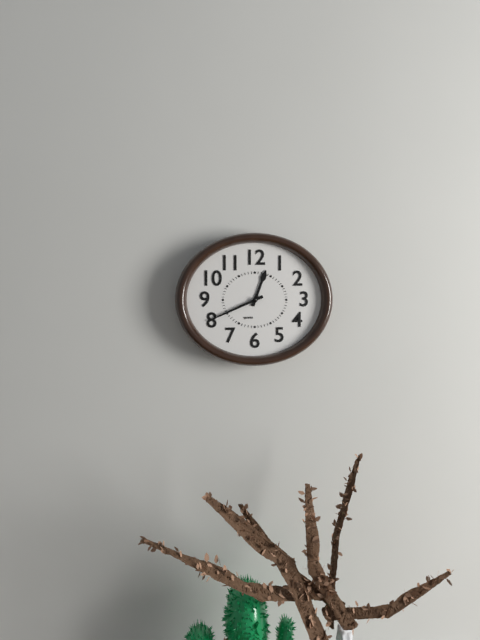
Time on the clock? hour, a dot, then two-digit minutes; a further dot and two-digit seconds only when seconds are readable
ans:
12.41
